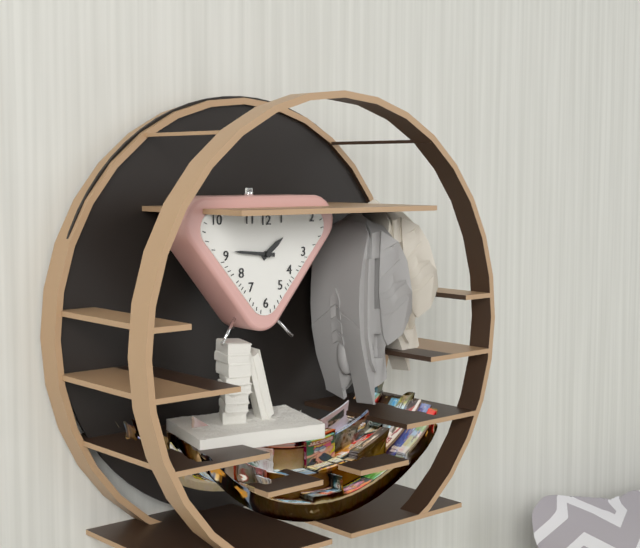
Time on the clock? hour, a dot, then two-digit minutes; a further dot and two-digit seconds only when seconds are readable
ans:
1.46
